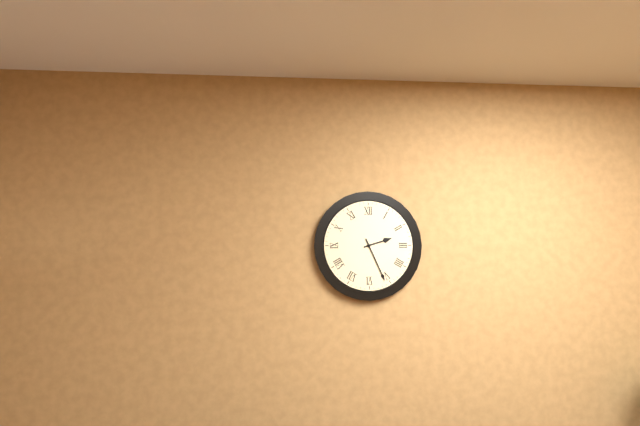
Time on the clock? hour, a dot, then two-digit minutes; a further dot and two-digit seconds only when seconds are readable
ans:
2.26
